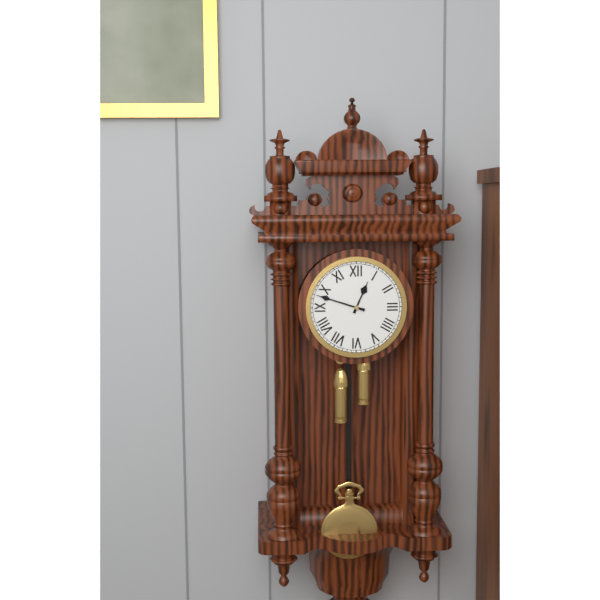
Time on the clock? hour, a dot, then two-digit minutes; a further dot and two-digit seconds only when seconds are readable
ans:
12.48
